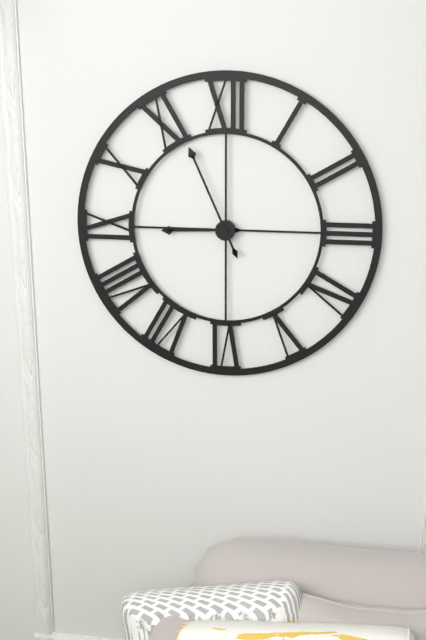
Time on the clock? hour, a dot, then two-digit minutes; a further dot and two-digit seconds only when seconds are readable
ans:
8.56
